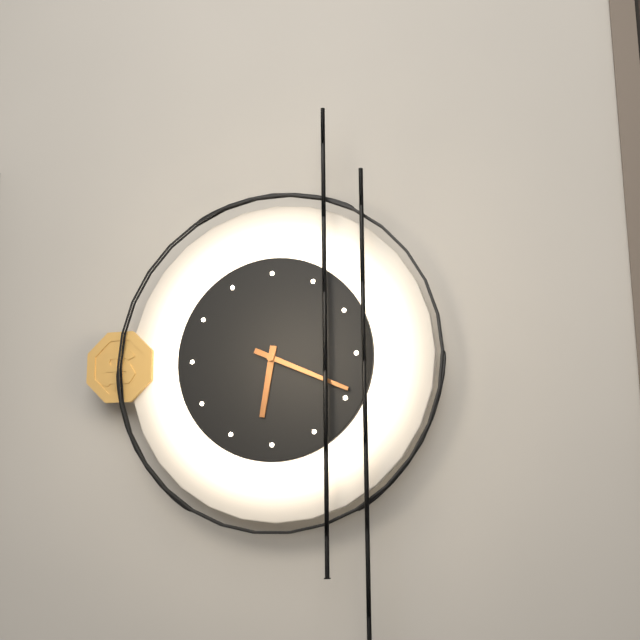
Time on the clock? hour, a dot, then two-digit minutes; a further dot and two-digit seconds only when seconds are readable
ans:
6.19
